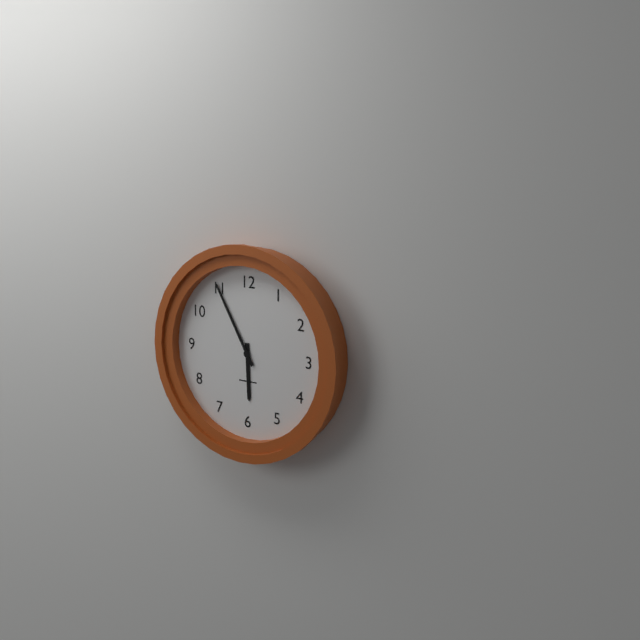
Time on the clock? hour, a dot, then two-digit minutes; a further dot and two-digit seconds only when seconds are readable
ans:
5.55
